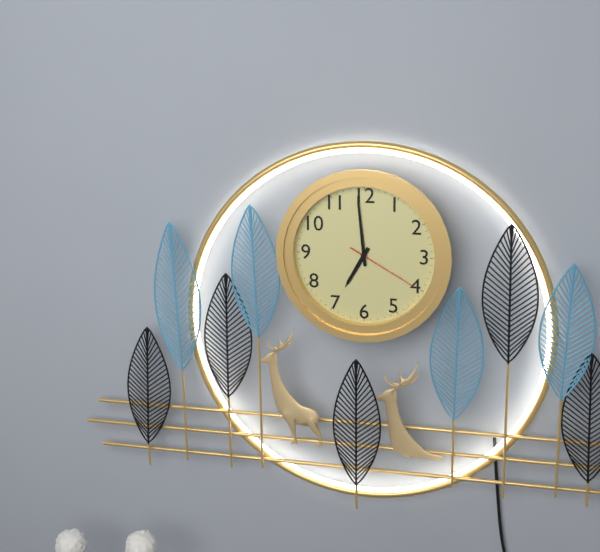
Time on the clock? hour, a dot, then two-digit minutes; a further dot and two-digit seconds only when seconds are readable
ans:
6.59.20
